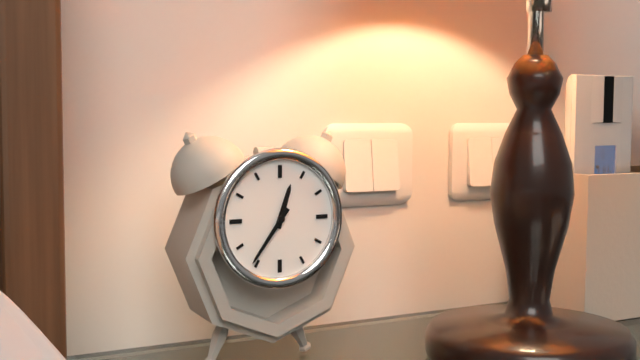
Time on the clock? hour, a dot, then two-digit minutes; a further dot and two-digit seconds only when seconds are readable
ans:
12.36
